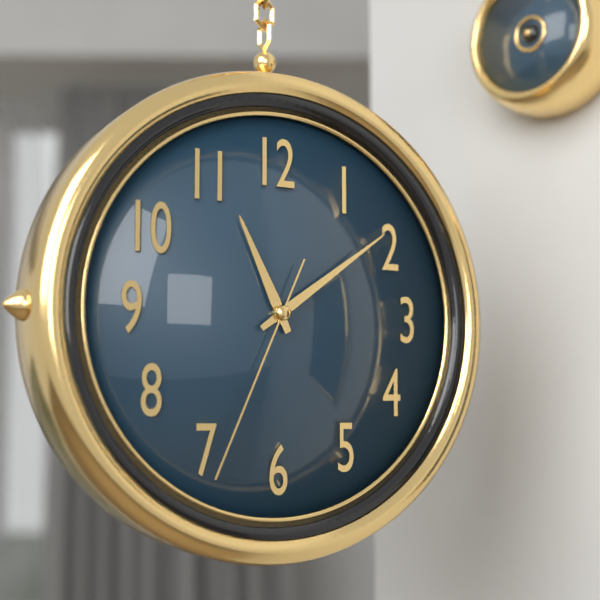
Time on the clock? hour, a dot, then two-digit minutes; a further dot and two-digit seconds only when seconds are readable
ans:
11.09.34
